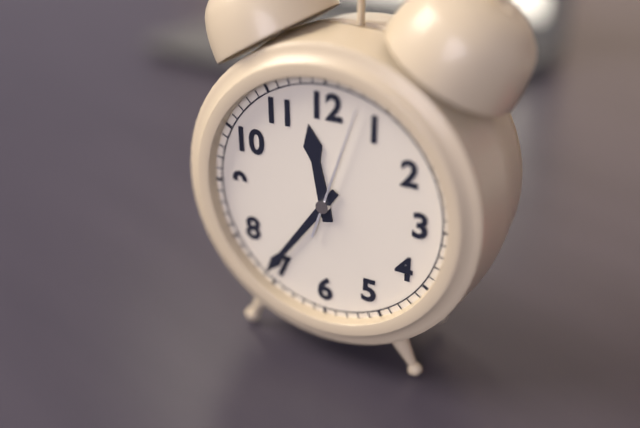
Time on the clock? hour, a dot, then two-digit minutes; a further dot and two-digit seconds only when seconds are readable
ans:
11.36.03
